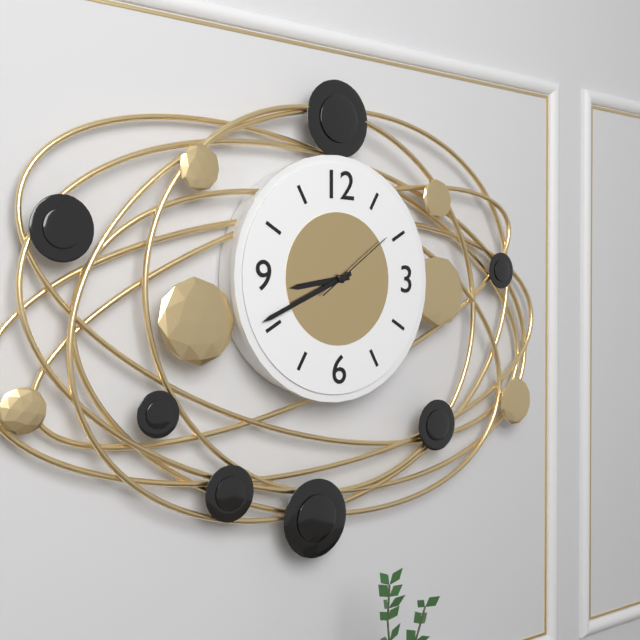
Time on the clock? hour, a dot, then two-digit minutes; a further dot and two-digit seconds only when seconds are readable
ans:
8.41.09
